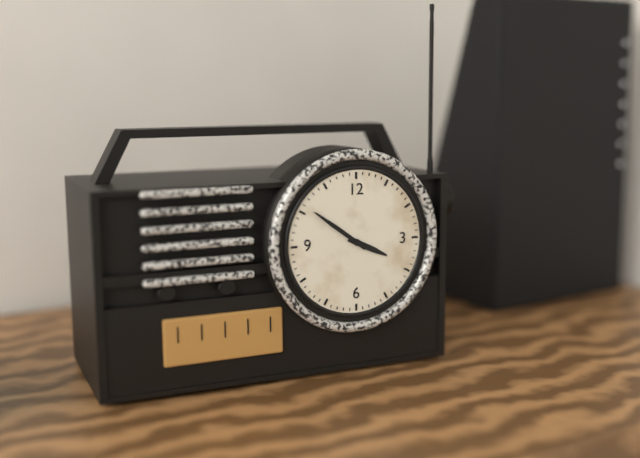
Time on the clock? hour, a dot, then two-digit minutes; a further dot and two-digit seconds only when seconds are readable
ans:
3.51
